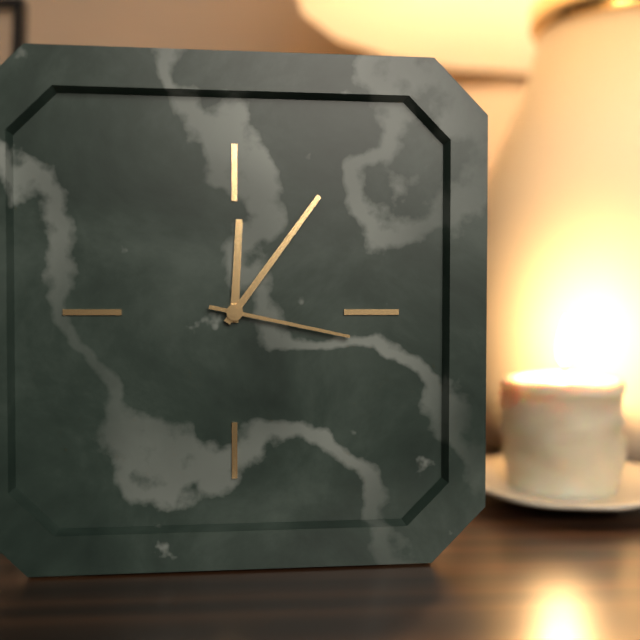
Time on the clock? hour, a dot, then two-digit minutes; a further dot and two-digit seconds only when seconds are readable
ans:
12.06.17
